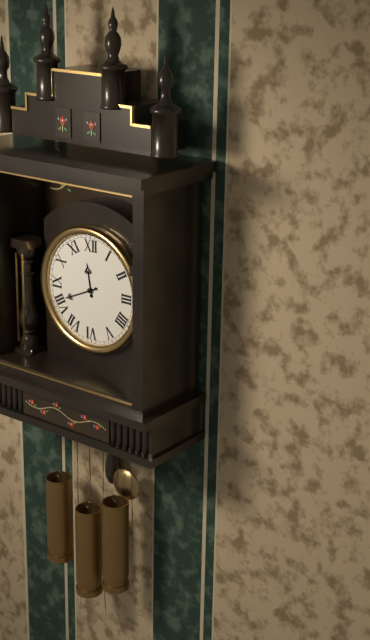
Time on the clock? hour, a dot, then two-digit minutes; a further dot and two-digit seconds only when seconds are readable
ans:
11.41
